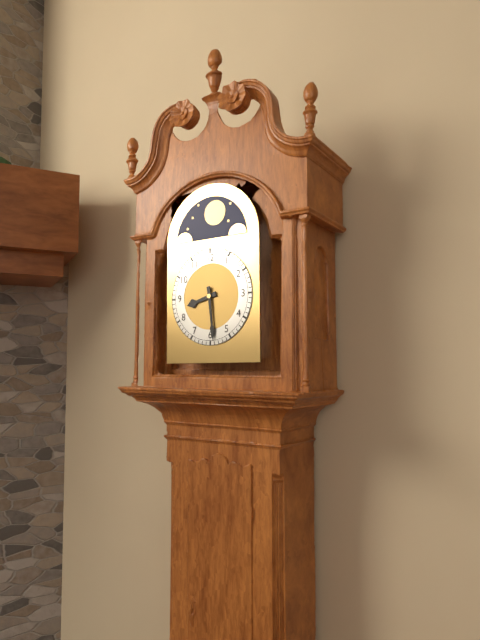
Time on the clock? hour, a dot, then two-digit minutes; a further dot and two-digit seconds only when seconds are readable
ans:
8.29
